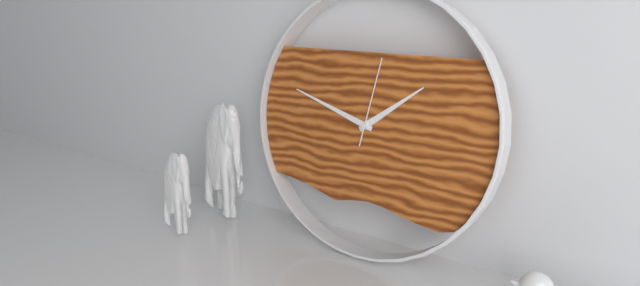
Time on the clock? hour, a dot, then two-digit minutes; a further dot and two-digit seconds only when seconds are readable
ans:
1.48.02
